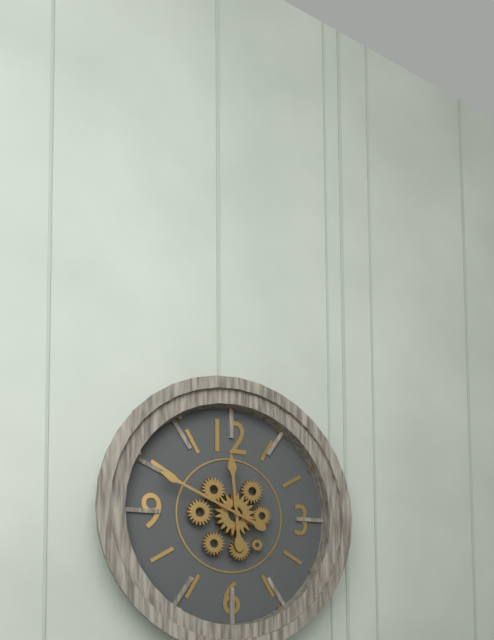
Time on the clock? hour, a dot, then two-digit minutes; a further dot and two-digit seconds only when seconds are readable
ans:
11.49
